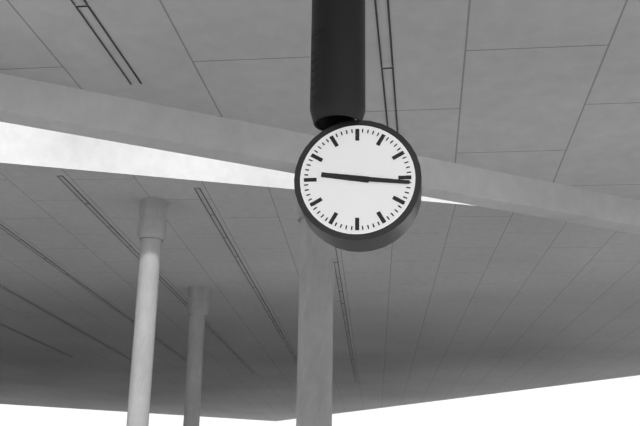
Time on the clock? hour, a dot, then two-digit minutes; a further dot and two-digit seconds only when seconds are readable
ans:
9.16
